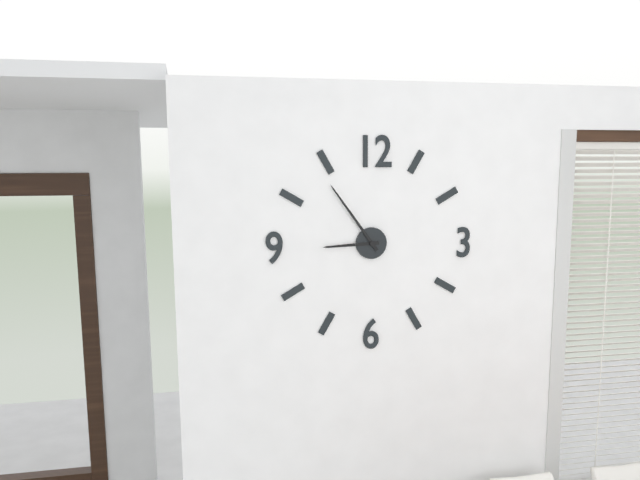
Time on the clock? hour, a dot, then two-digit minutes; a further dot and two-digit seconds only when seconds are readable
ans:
8.54
